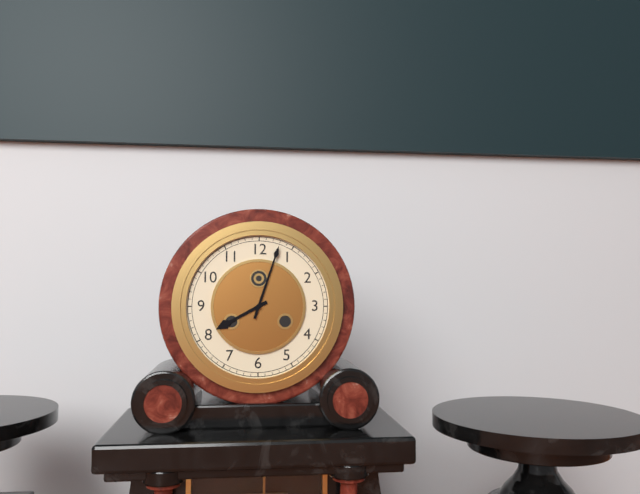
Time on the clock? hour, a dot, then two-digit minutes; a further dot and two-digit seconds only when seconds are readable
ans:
8.03
